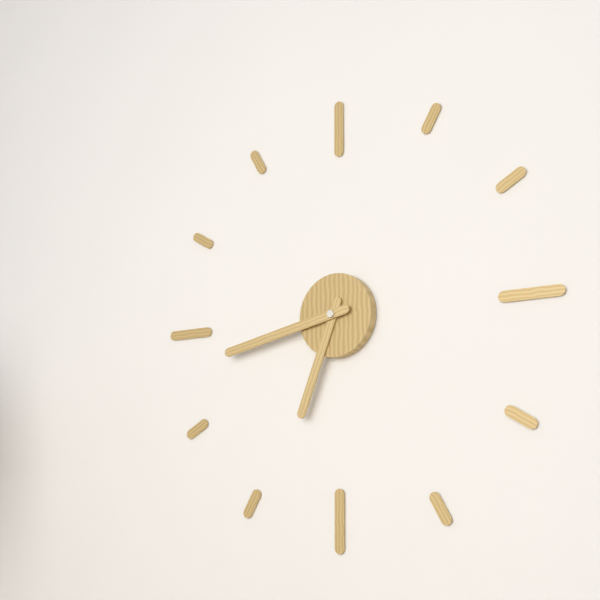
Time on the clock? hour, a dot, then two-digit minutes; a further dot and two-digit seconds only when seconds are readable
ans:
6.43
